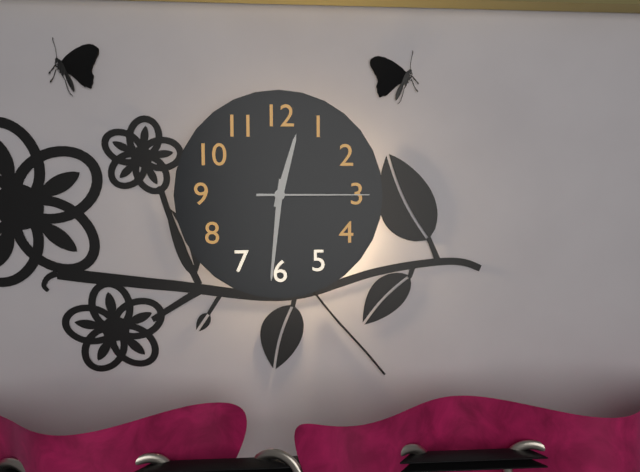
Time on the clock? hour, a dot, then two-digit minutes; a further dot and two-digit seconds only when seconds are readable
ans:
12.31.15
